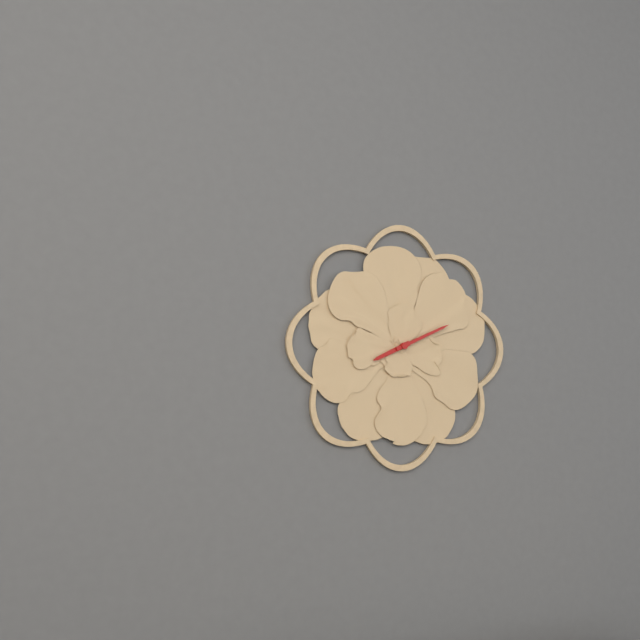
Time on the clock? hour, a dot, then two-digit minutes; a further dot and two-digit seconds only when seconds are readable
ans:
8.11
